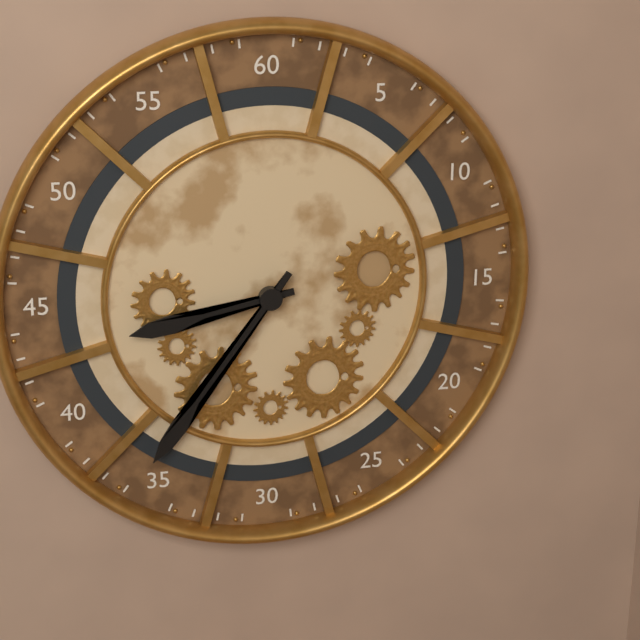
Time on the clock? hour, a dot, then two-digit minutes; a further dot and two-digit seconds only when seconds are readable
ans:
8.36
